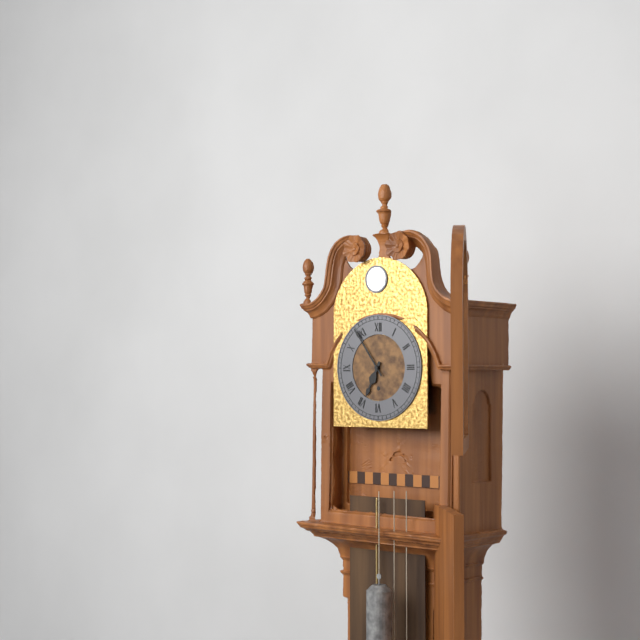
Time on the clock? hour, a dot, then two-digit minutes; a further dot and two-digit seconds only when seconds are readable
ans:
6.54
